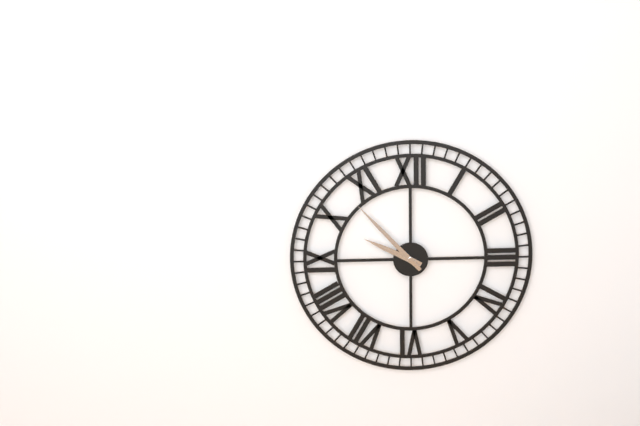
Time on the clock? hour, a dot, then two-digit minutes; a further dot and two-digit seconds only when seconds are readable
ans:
9.53
